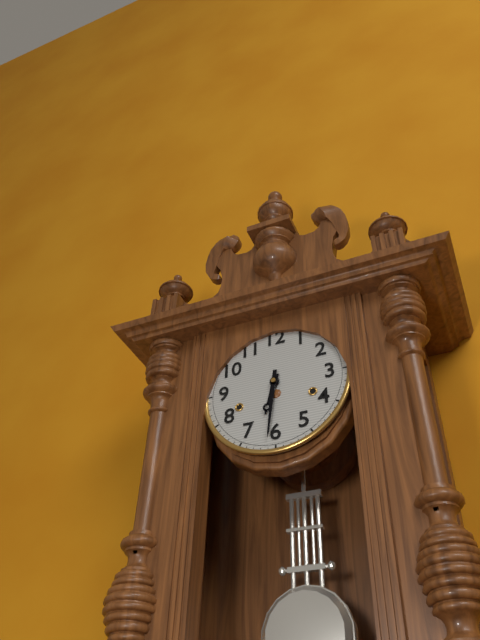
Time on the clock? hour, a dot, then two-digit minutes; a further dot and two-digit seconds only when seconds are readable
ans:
6.31
